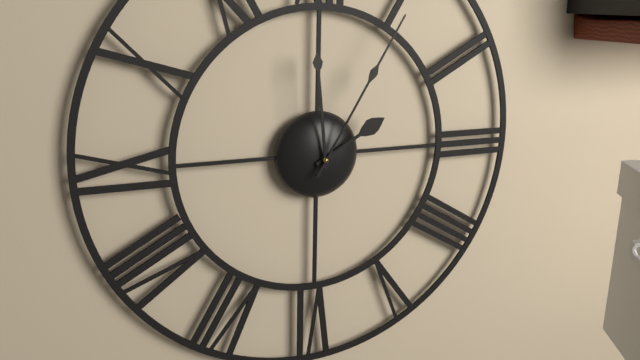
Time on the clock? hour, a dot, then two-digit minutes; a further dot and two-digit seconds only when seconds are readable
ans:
1.59.05
